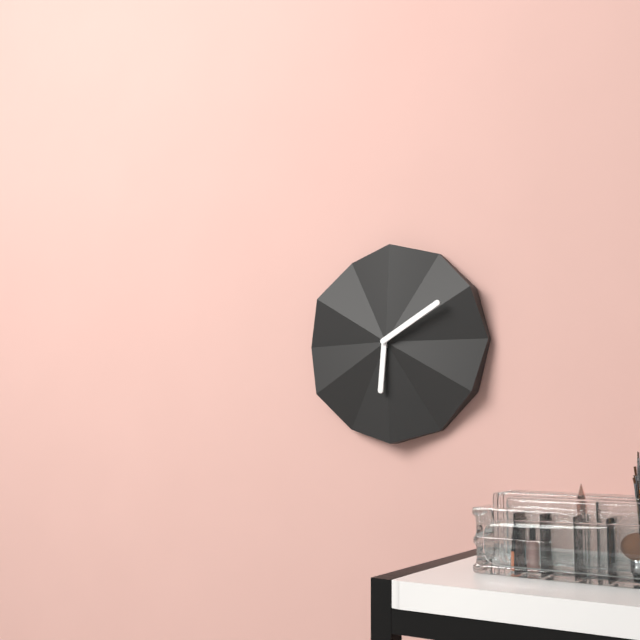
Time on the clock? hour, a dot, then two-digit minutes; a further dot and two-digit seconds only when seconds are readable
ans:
6.10
